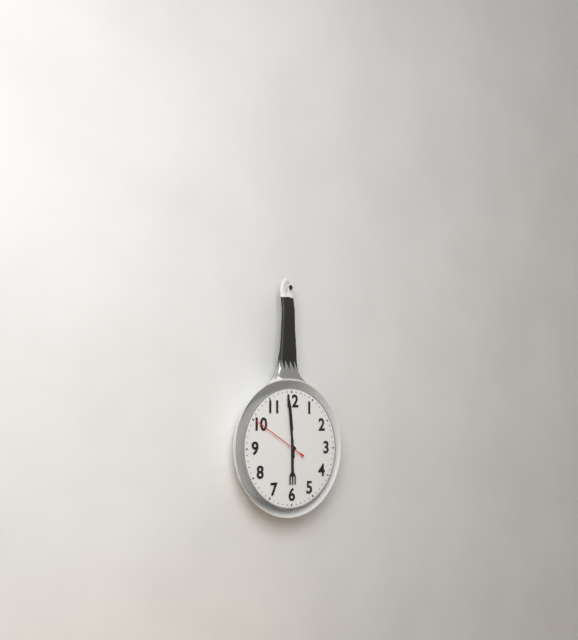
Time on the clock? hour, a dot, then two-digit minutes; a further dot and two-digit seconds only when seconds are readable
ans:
5.59.50
